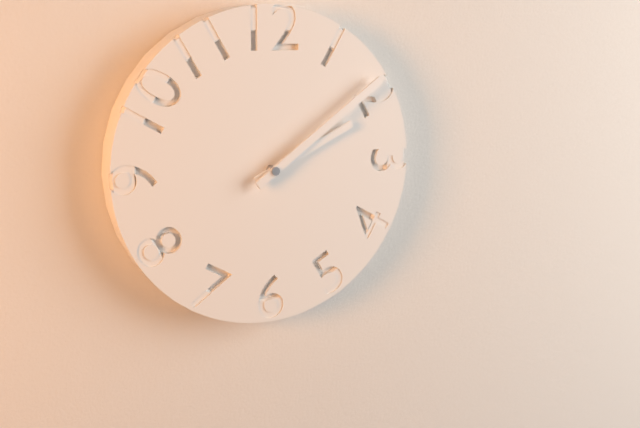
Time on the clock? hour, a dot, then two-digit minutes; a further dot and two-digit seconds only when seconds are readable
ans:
2.09
